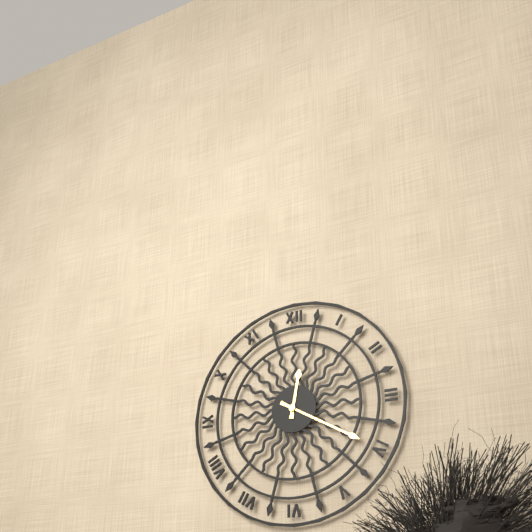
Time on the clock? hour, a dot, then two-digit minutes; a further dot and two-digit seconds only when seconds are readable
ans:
12.20
